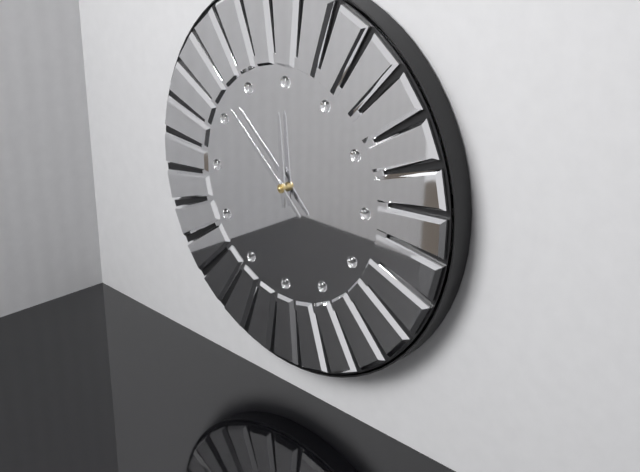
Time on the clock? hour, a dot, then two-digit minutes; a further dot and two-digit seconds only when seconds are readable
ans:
11.52
